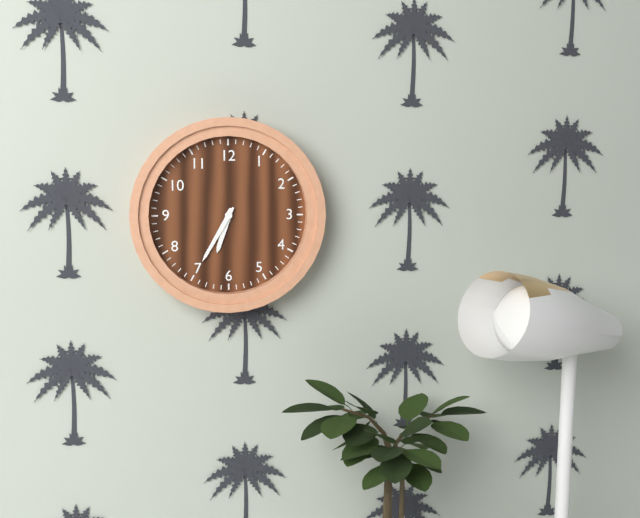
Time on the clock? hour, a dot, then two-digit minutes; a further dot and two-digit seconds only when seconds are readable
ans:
6.35
